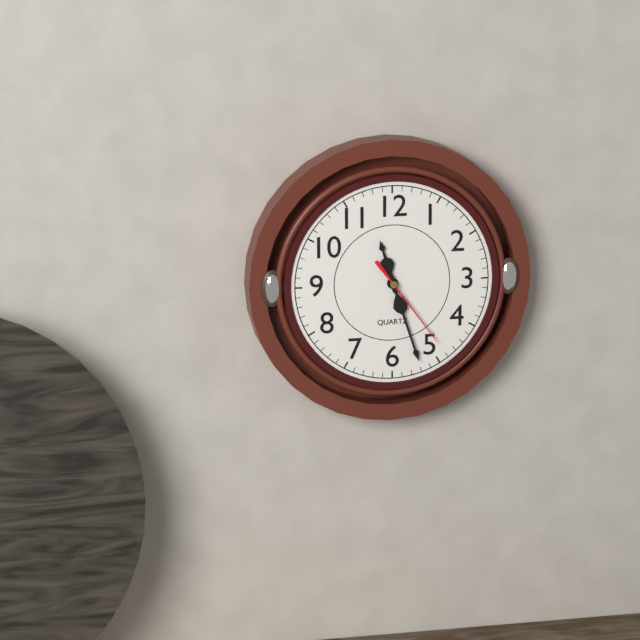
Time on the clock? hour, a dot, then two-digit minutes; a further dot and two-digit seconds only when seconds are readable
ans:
11.27.24
